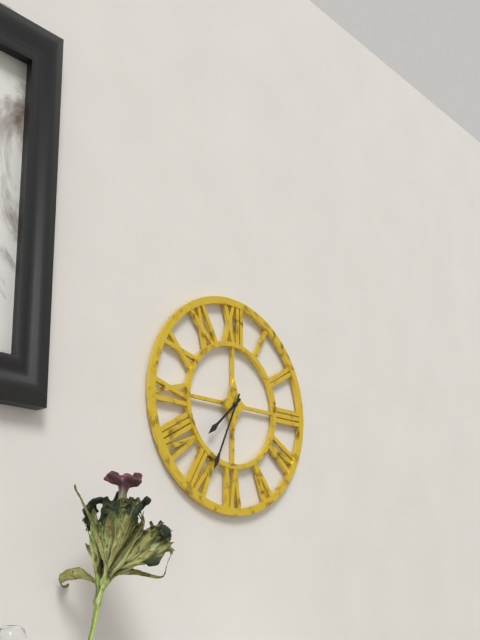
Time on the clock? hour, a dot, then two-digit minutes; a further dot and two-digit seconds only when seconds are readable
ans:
7.34
